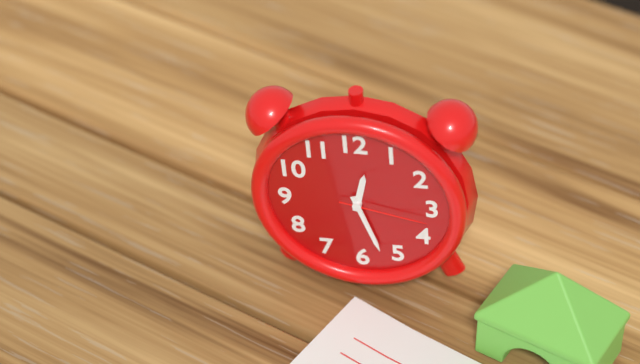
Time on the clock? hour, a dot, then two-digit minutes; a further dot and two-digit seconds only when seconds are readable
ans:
12.27.17
